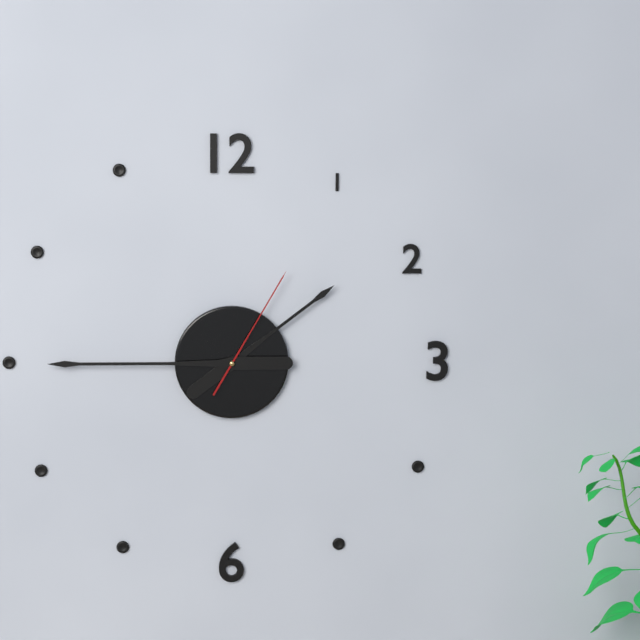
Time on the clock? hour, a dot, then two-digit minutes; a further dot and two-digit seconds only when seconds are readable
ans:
1.45.05
